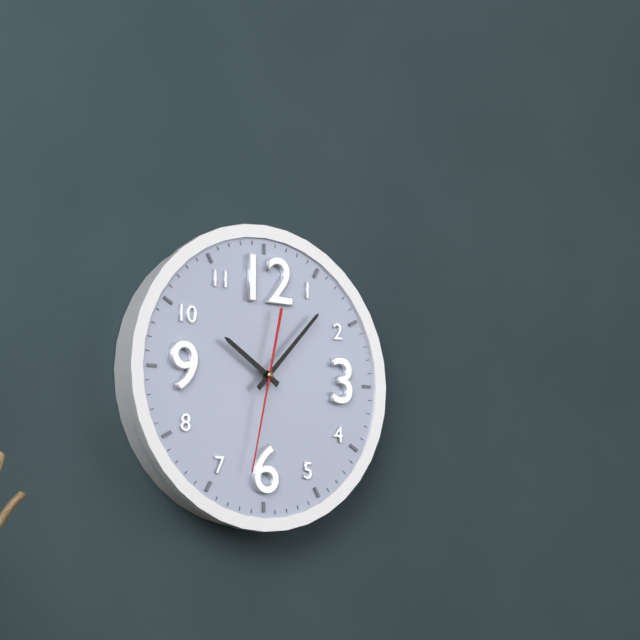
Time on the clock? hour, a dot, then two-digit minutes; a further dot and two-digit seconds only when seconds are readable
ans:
10.07.32
